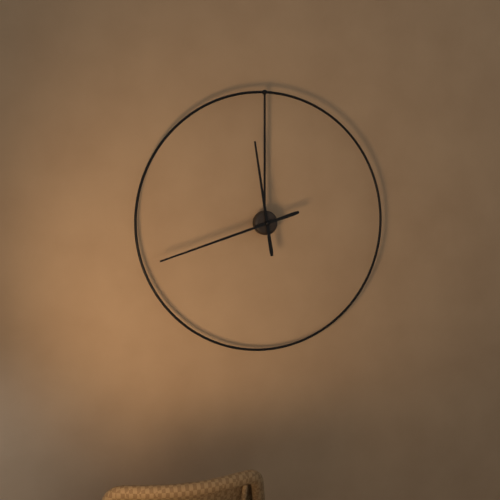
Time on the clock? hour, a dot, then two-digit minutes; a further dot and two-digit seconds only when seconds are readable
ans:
11.42
